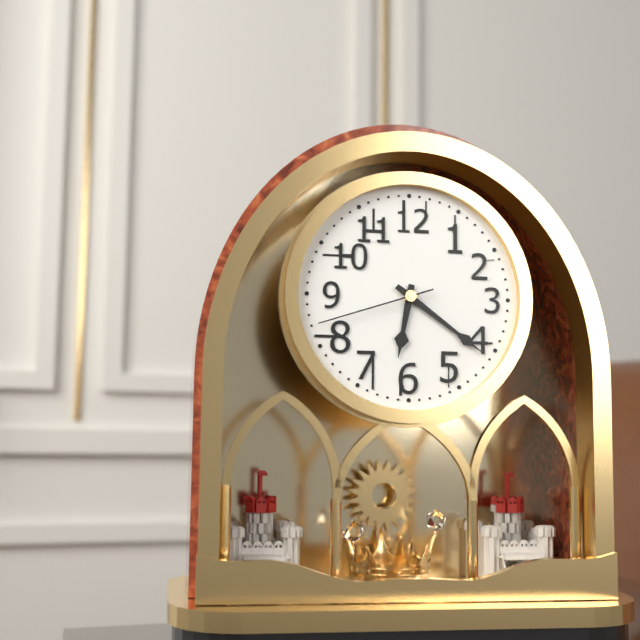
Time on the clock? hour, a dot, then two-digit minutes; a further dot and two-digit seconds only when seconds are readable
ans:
6.21.42
